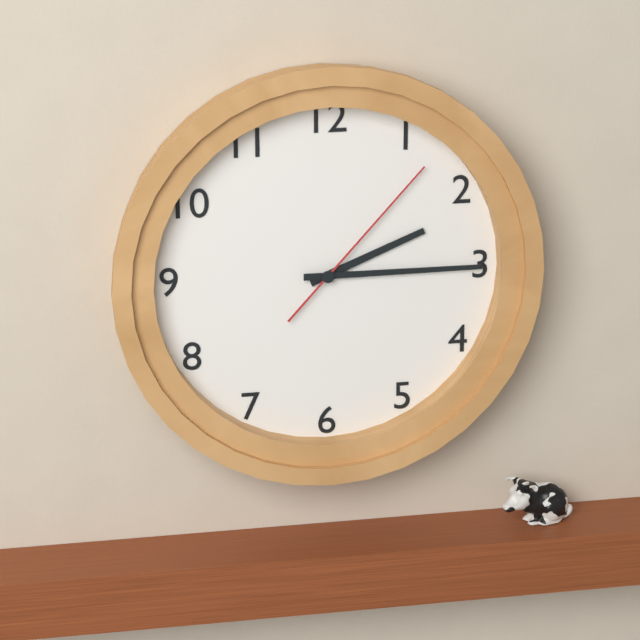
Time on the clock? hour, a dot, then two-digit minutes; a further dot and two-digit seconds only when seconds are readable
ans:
2.15.07
